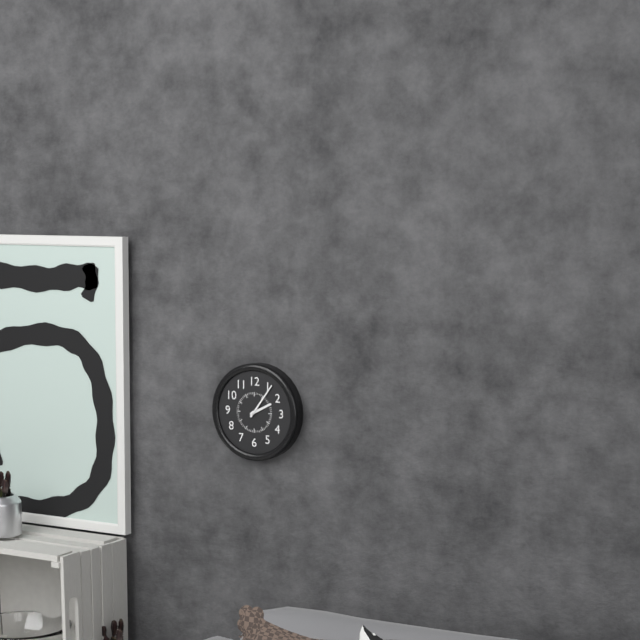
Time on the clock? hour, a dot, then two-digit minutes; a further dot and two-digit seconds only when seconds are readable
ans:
2.06
